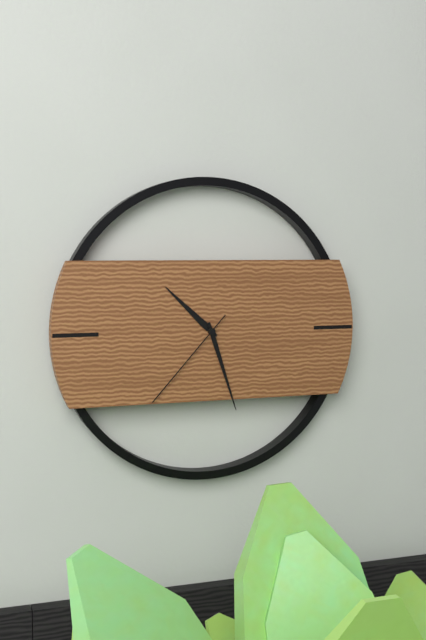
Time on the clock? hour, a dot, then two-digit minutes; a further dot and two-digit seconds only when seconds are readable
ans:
10.27.37
